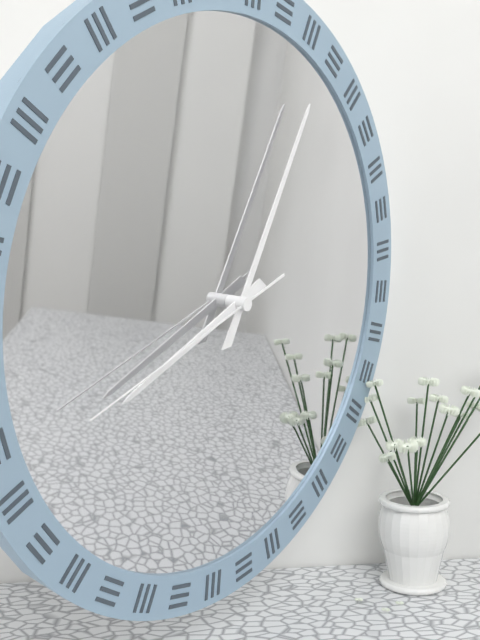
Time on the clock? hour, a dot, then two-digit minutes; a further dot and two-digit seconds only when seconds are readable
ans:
8.04.41
